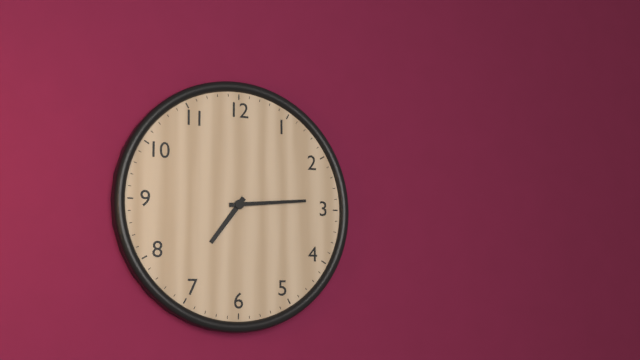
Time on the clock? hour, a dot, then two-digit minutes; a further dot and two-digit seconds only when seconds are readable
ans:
7.14
